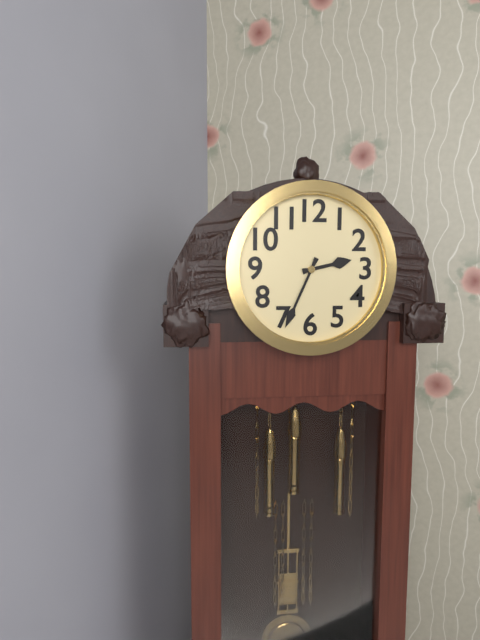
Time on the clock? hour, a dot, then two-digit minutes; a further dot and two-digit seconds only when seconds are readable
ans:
2.34
